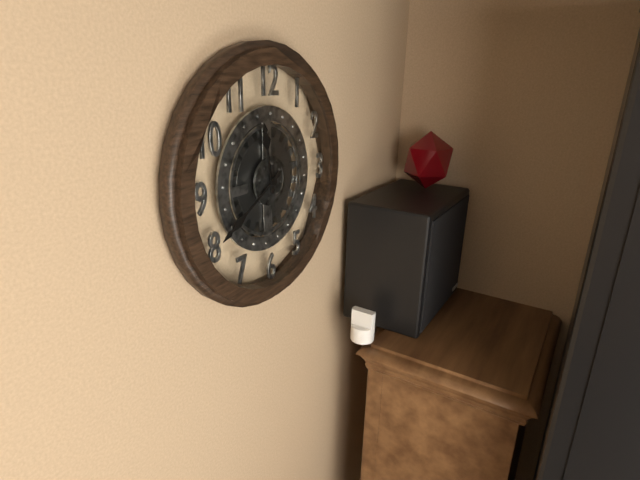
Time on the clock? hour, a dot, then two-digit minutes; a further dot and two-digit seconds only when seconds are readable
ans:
11.40
